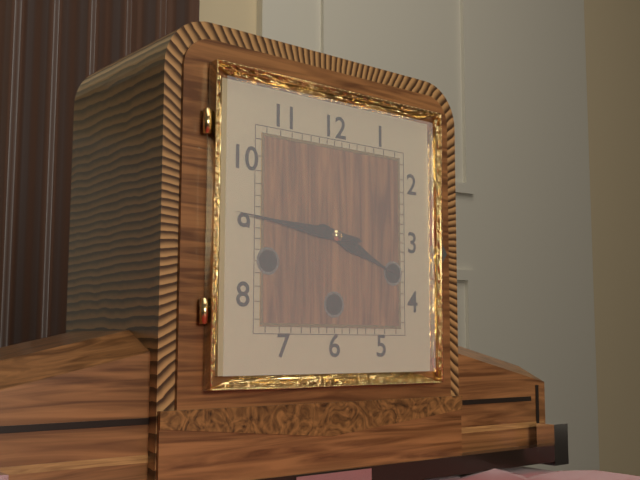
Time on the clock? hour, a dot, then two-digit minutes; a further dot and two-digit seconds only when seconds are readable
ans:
3.46
